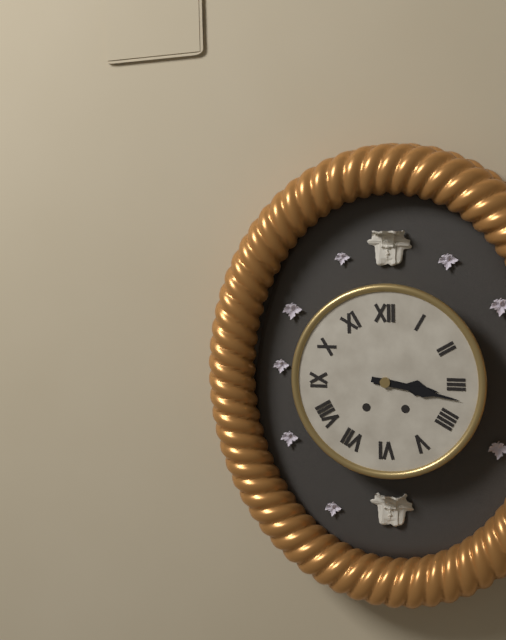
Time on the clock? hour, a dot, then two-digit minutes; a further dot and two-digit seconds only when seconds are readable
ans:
3.17
